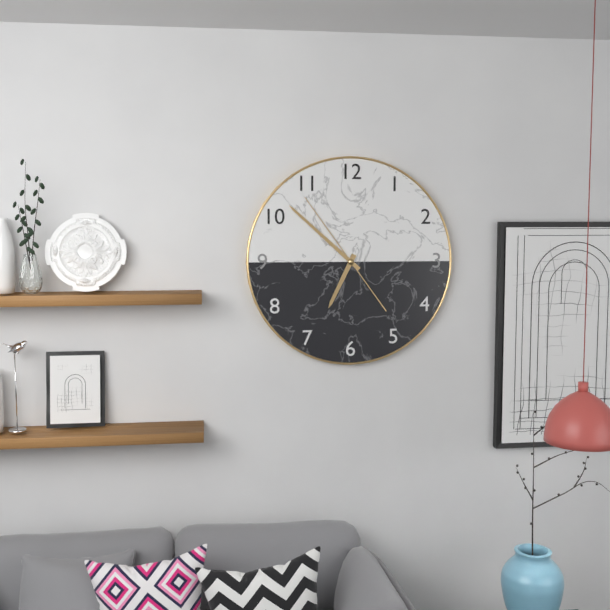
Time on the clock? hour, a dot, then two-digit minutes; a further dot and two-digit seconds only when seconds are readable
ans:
6.52.54
